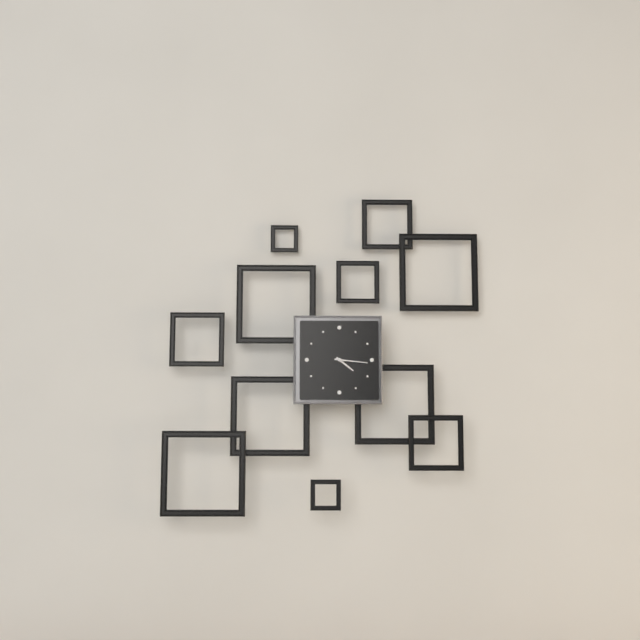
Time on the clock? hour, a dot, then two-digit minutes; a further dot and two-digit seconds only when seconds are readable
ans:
4.16
